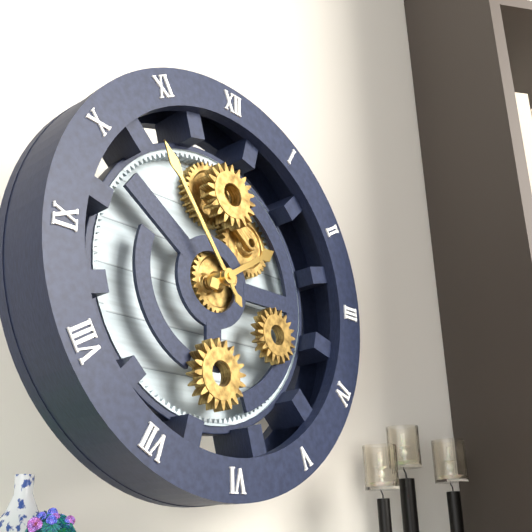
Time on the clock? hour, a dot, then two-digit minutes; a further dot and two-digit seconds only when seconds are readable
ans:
1.54
